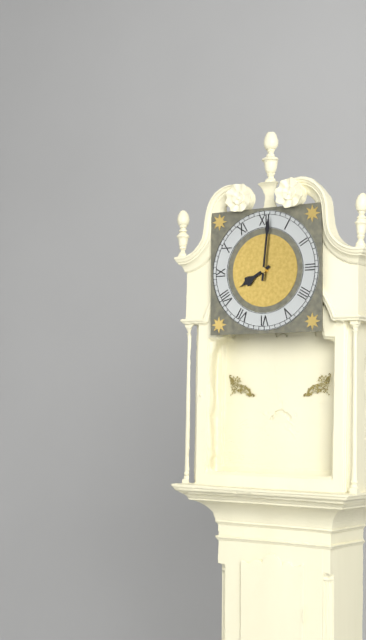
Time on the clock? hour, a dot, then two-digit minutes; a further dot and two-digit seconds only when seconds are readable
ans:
8.01
